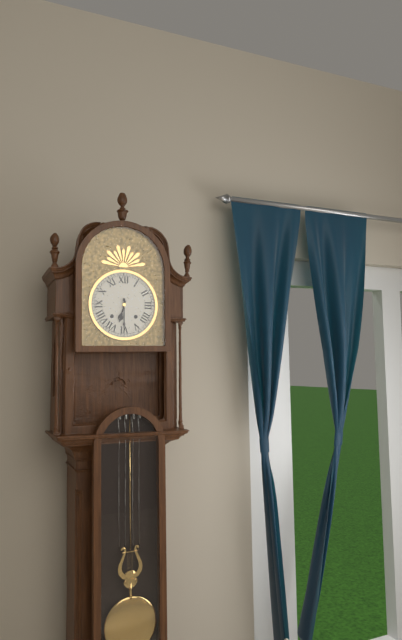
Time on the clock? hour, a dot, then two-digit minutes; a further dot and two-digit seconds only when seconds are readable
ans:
6.30
